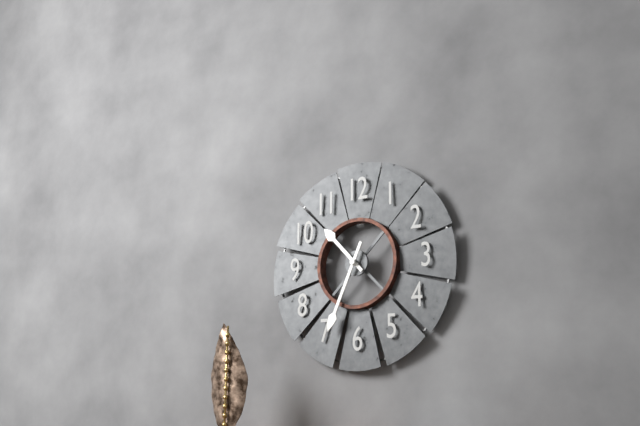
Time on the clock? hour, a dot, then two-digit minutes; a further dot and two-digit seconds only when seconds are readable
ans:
10.34
